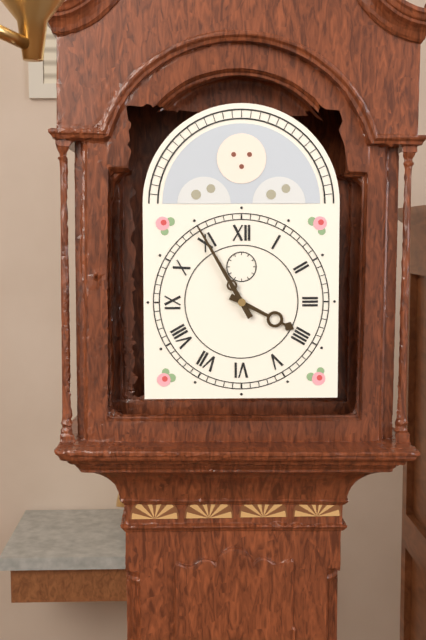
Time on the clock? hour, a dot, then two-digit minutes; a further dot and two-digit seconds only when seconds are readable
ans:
3.55
